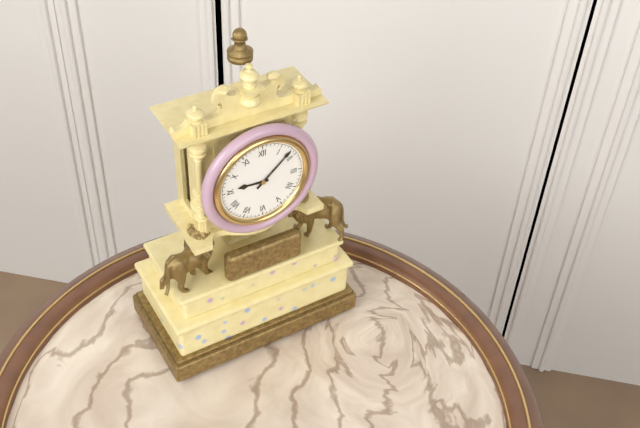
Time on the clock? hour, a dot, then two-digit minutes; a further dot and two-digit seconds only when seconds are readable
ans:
9.08
